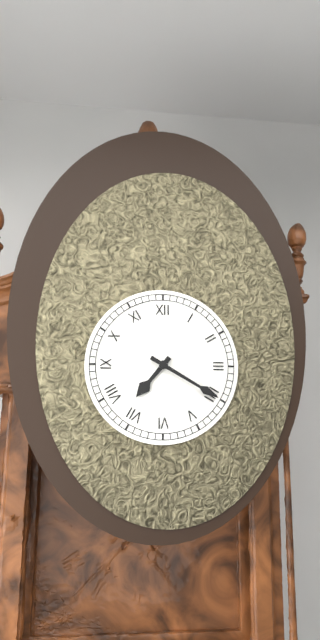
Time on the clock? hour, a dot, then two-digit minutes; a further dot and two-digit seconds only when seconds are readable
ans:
7.20
